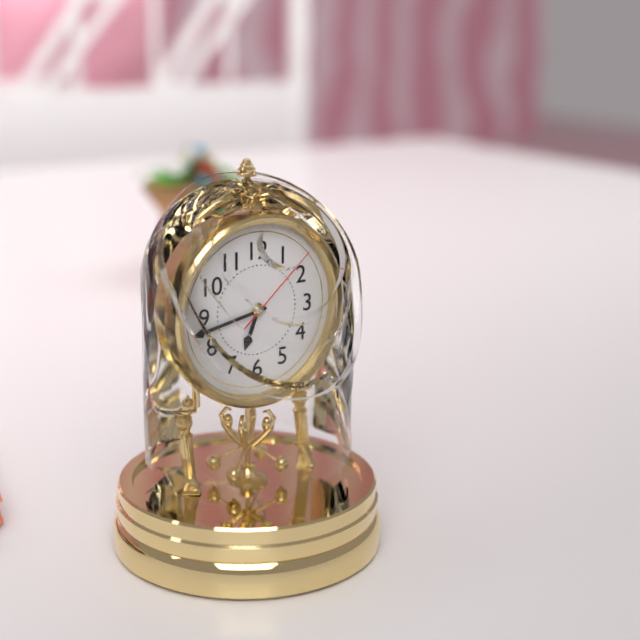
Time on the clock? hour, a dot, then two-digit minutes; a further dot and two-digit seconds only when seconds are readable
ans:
6.43.08
